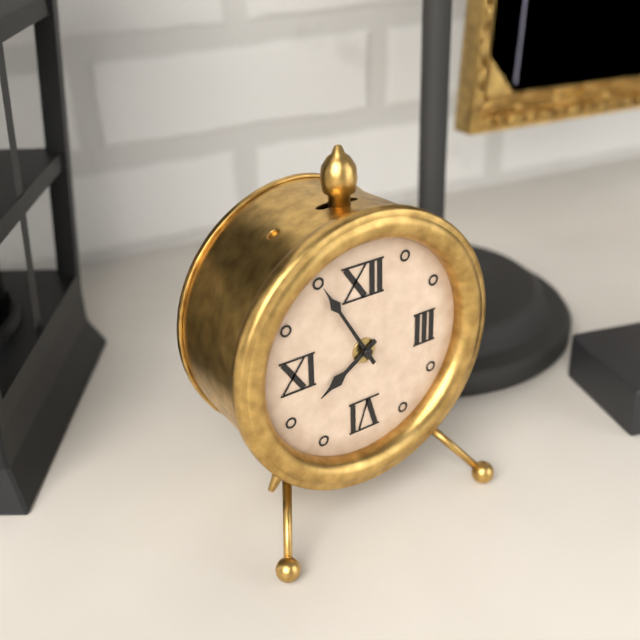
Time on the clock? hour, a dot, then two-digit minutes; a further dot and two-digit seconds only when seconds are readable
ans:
7.55
